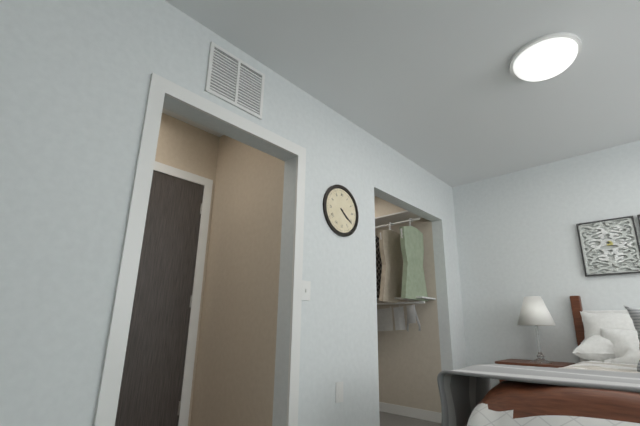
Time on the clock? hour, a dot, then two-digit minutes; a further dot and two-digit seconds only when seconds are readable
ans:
4.21
